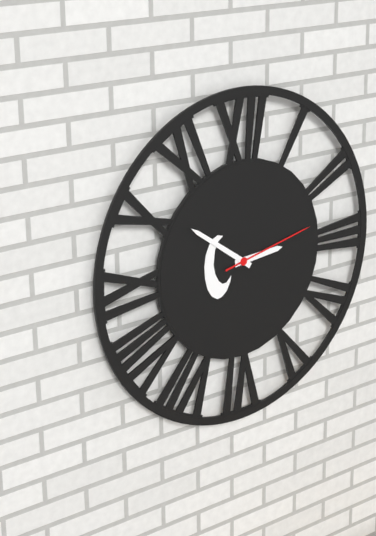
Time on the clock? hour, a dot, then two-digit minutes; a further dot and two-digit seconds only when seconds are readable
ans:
2.51.13
